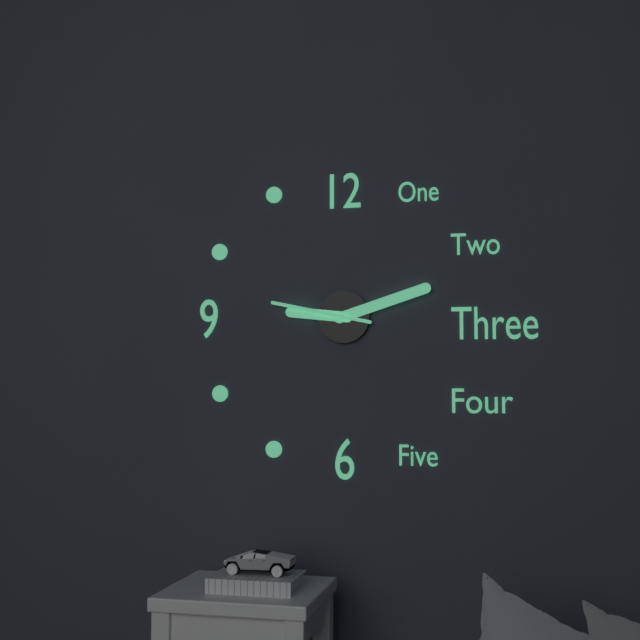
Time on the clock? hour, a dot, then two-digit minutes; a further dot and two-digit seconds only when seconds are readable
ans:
9.12.47
